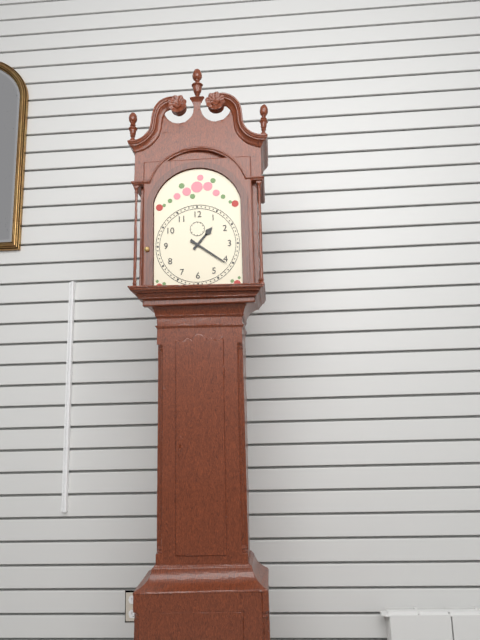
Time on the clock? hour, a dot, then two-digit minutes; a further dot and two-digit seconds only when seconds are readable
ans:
1.21
